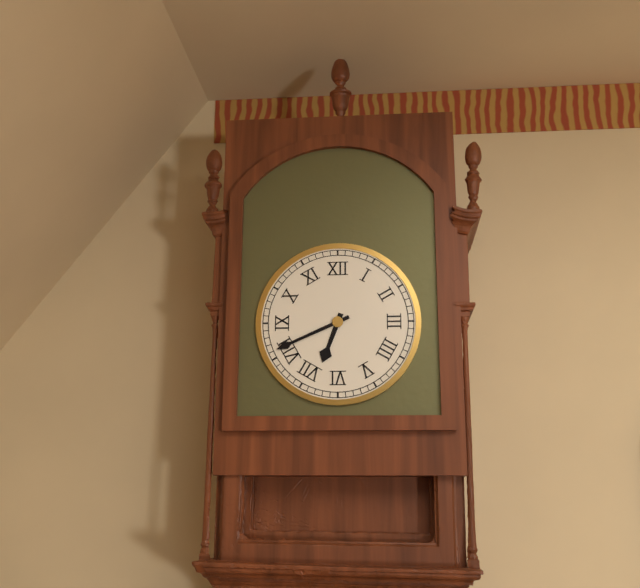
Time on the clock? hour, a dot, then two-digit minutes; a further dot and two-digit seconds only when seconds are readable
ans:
6.41
